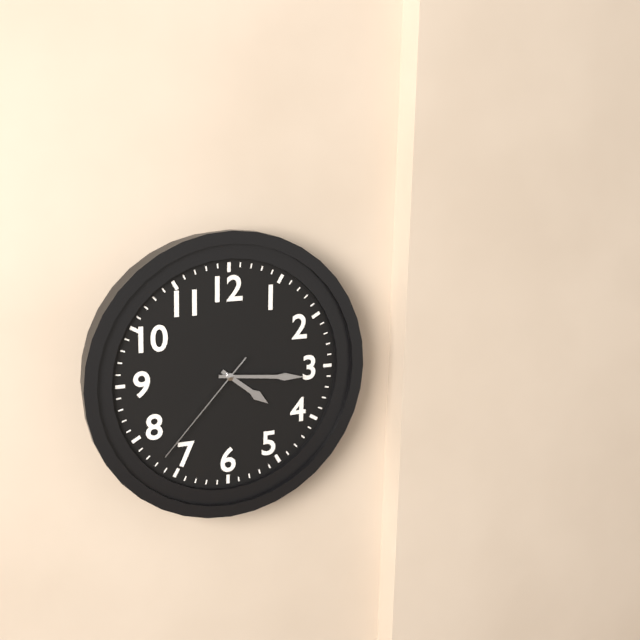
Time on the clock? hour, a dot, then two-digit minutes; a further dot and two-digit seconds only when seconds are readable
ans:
4.16.37
